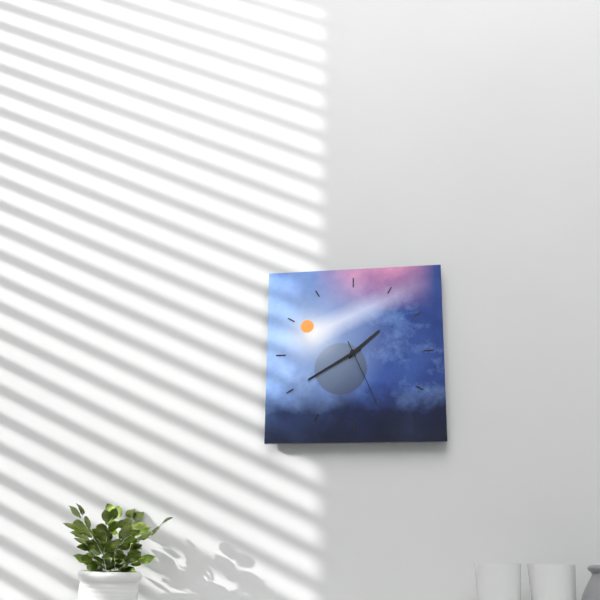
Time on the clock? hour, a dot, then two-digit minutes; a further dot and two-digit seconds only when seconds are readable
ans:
1.40.26
